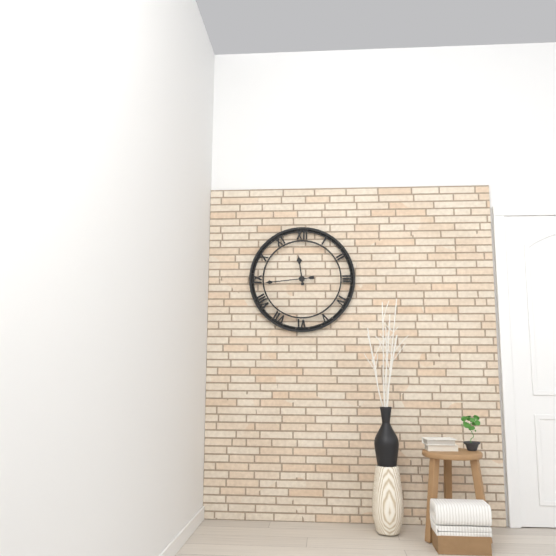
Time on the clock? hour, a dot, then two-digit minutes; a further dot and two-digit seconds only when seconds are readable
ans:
11.44
